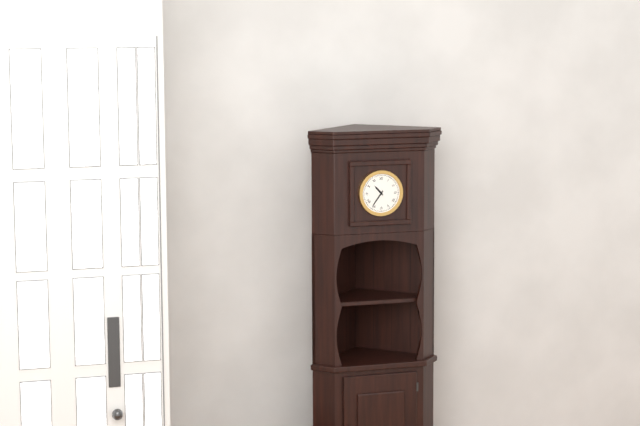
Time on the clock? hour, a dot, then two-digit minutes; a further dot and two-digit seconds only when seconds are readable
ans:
10.36
